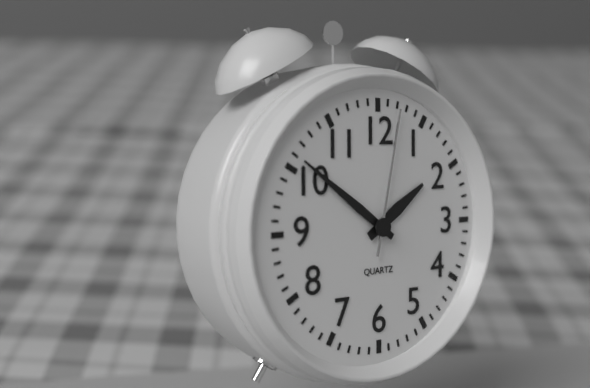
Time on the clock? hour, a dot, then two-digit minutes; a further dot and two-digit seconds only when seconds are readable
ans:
1.51.02
